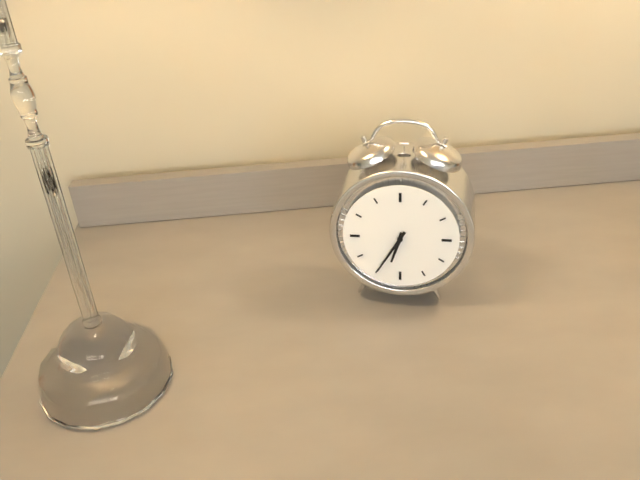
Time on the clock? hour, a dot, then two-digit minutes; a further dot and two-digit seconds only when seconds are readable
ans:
6.35
